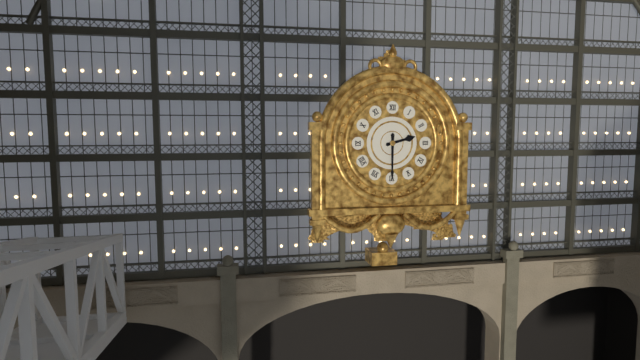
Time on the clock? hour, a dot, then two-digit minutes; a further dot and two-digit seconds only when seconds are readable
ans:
2.30
